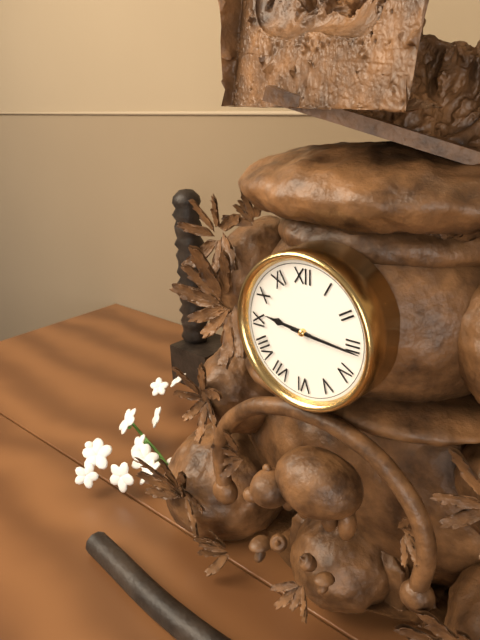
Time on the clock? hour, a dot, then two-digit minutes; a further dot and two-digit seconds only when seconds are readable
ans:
9.16
